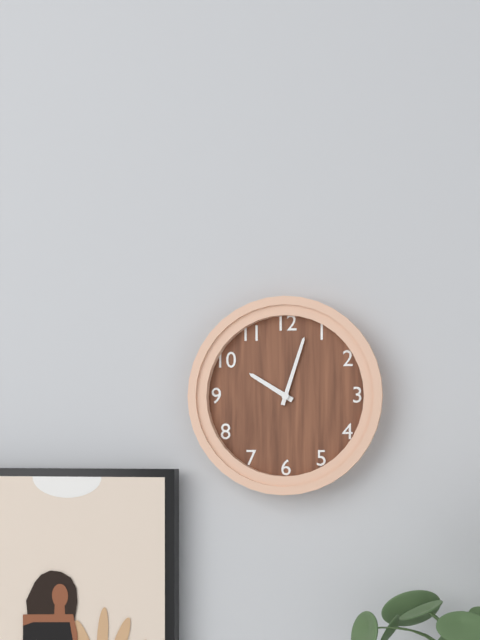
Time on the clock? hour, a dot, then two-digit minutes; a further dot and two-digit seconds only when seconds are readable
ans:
10.03
